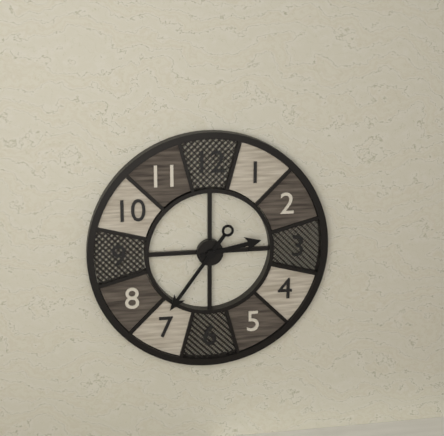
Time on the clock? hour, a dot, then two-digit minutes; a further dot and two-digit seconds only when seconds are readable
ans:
2.36
